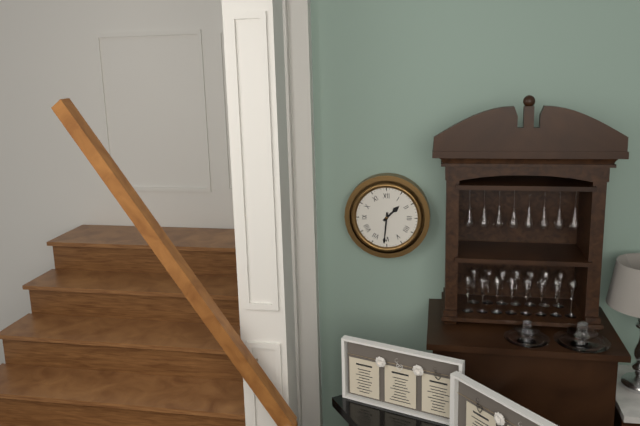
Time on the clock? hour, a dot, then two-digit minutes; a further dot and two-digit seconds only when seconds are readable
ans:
1.31
